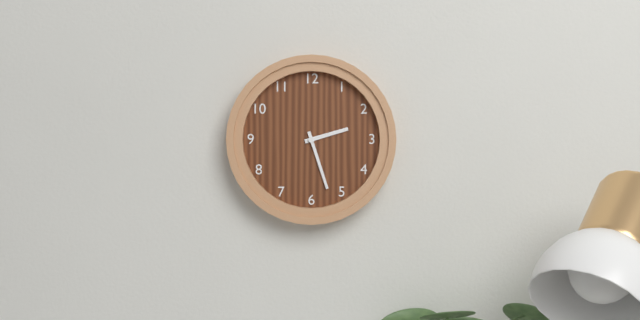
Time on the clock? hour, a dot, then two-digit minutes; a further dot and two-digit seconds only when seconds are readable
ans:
2.27
